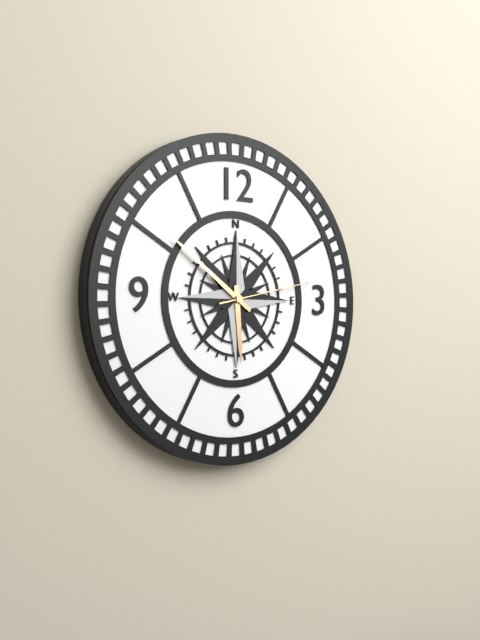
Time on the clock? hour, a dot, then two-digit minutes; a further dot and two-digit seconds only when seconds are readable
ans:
5.51.13
